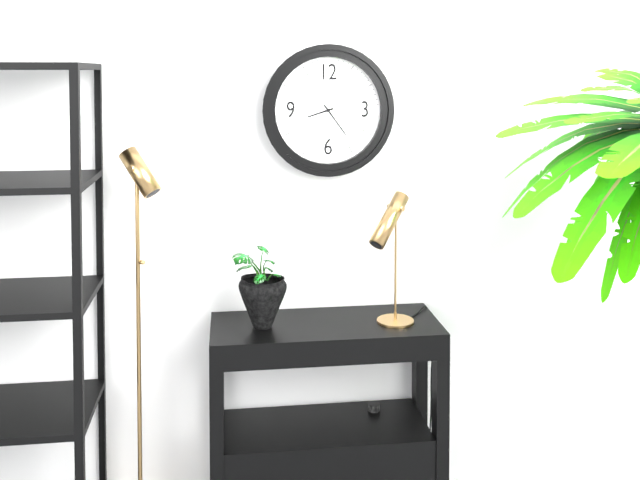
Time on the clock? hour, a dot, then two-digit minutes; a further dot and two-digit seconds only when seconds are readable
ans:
8.24
